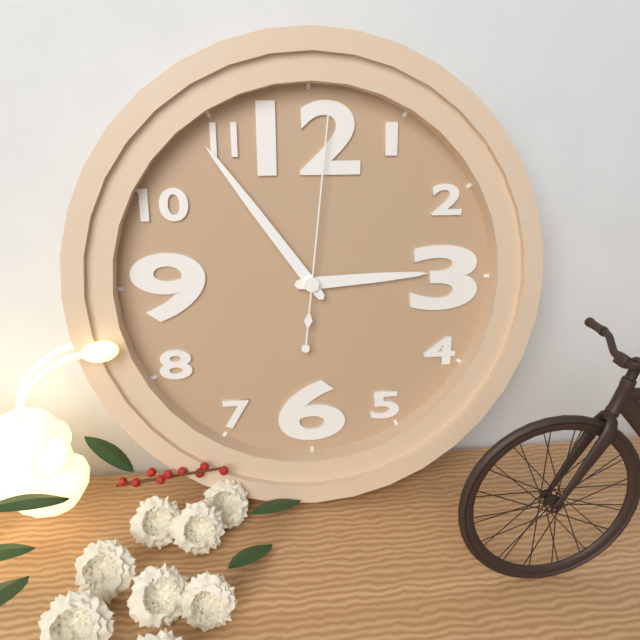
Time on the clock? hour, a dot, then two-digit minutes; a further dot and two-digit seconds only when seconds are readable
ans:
2.54.01
